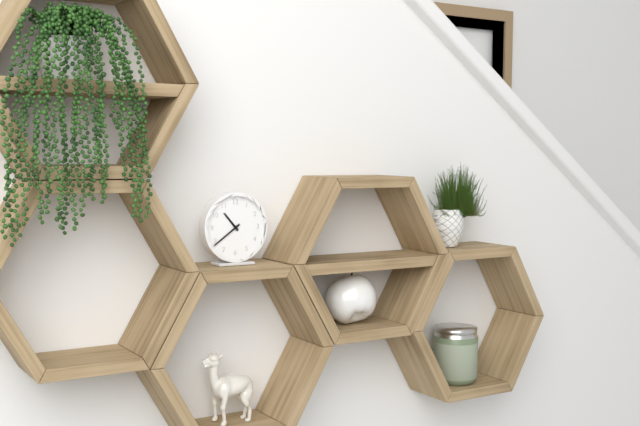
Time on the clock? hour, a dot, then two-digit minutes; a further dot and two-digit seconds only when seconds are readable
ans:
10.39
